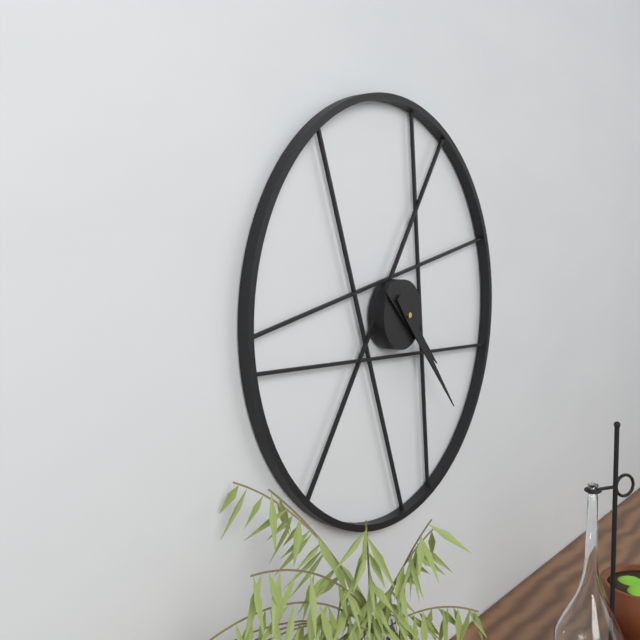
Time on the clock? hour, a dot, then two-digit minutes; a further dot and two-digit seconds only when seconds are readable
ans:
4.23
